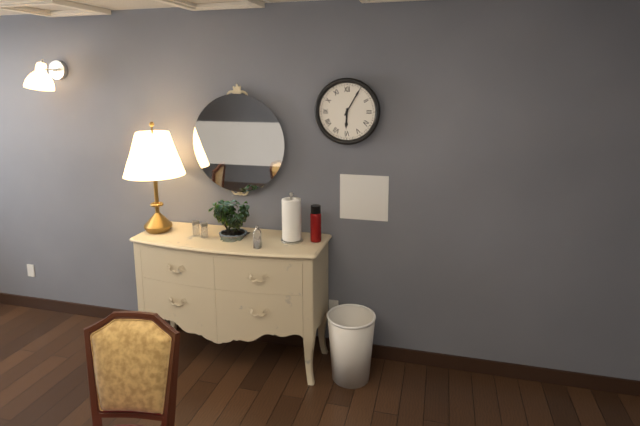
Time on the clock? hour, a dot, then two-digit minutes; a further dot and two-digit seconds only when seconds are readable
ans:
6.05
